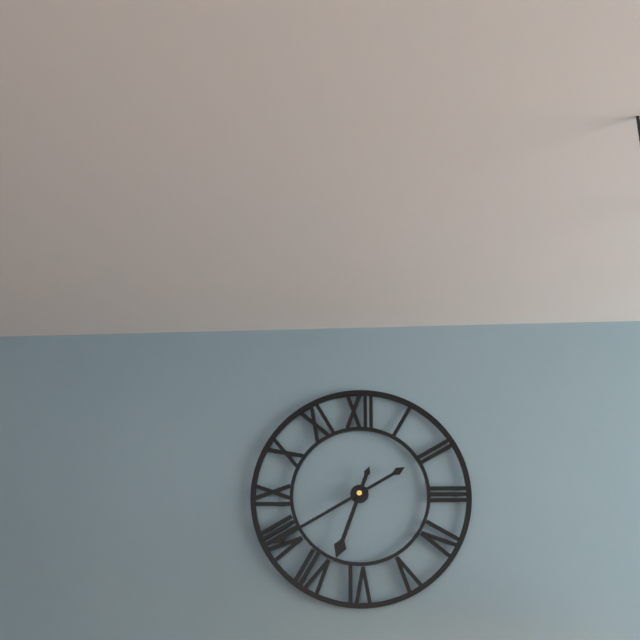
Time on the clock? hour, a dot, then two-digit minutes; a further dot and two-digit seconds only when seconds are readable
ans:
6.40
